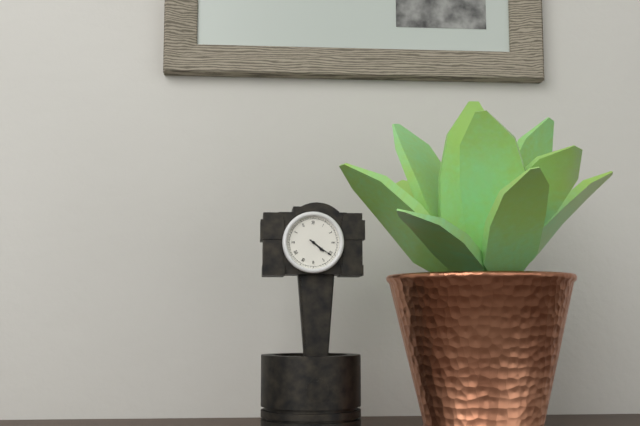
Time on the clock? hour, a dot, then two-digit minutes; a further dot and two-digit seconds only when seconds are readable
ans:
4.21
